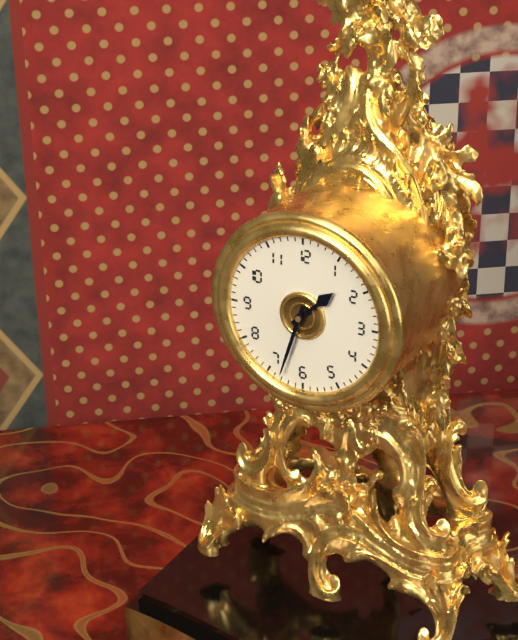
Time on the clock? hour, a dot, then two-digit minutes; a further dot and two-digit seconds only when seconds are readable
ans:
1.33
